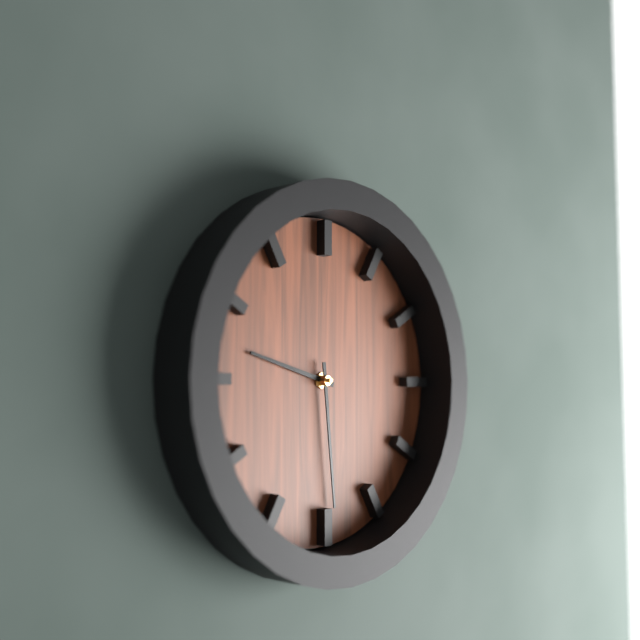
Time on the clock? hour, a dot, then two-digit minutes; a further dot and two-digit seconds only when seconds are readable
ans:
9.29
